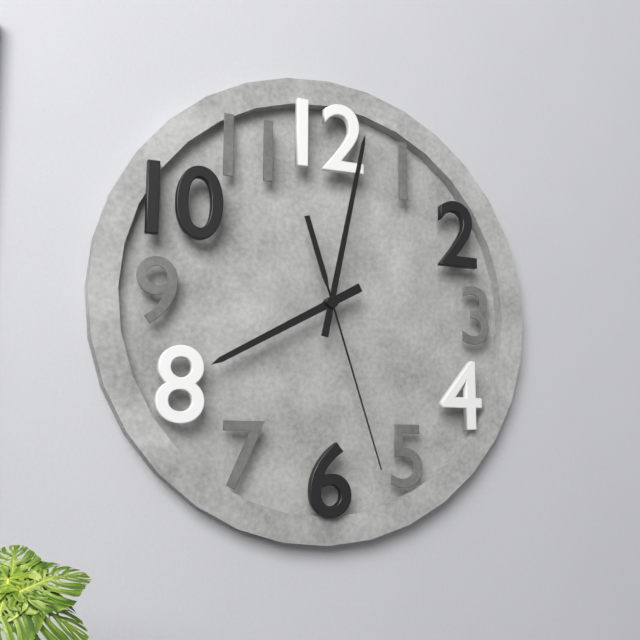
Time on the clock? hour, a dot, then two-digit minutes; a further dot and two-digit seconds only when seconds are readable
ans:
8.02.27
